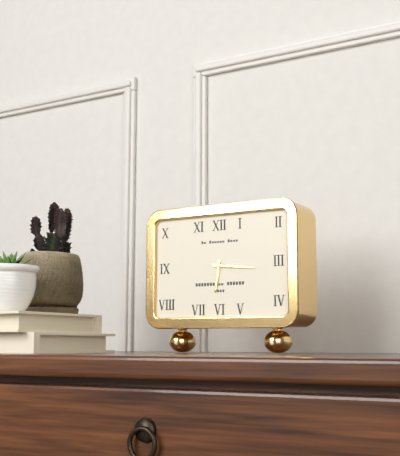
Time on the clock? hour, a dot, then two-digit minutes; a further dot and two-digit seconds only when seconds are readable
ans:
6.16
